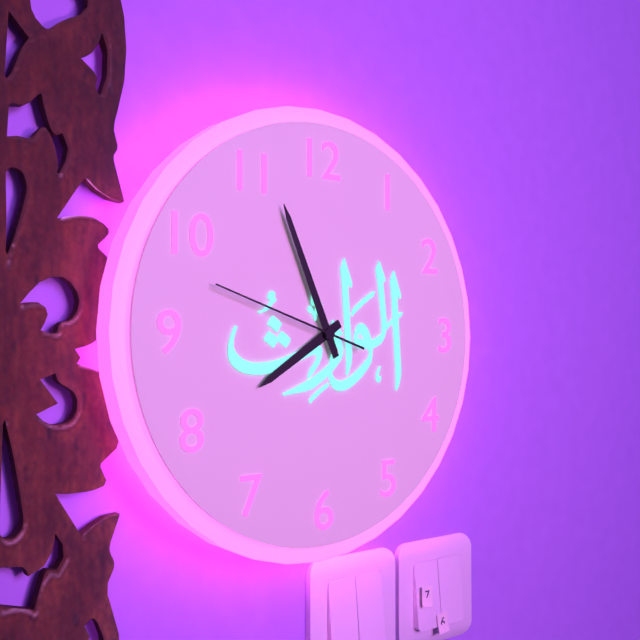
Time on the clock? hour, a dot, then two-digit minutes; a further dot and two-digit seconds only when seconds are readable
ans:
7.56.48
